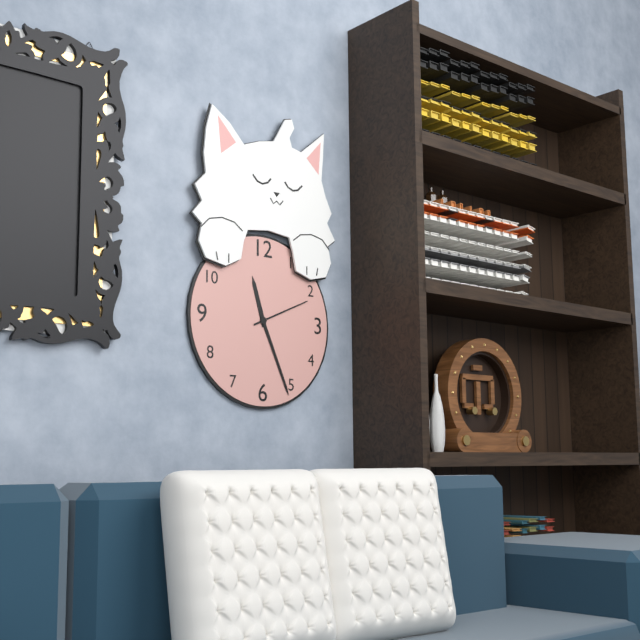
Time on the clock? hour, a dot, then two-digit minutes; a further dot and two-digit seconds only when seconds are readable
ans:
11.26.11
